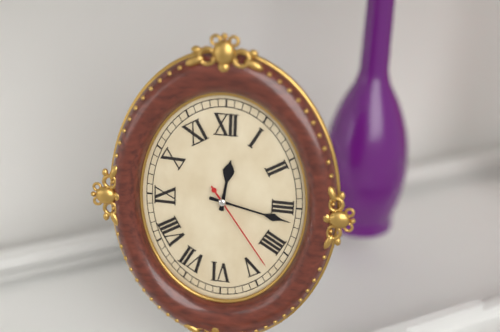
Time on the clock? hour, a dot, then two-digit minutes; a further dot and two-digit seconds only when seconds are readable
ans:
12.17.24
